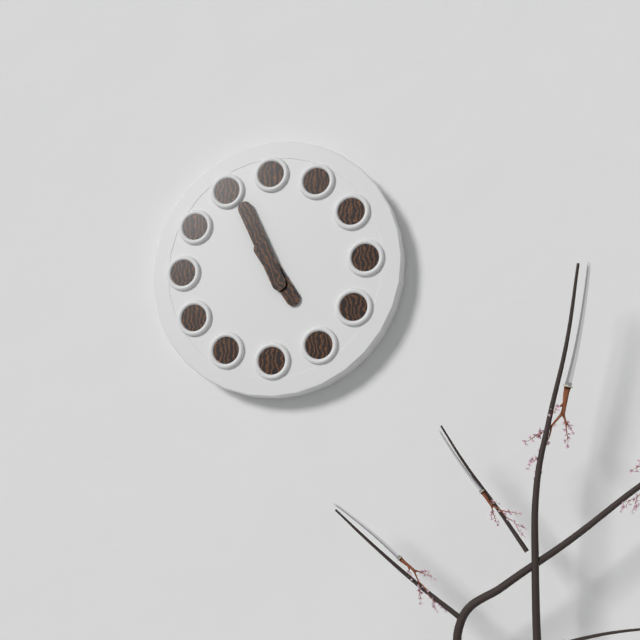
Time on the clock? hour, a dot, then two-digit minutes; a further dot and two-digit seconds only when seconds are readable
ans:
4.56
